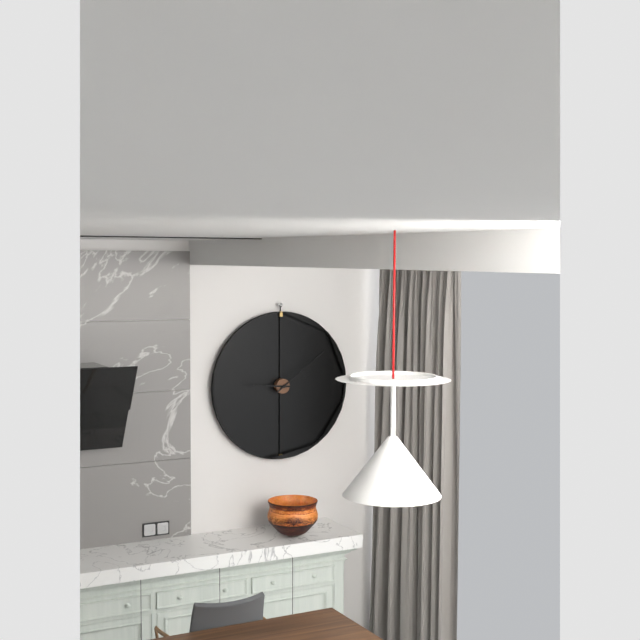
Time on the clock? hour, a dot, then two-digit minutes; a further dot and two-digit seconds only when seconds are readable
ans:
9.09
